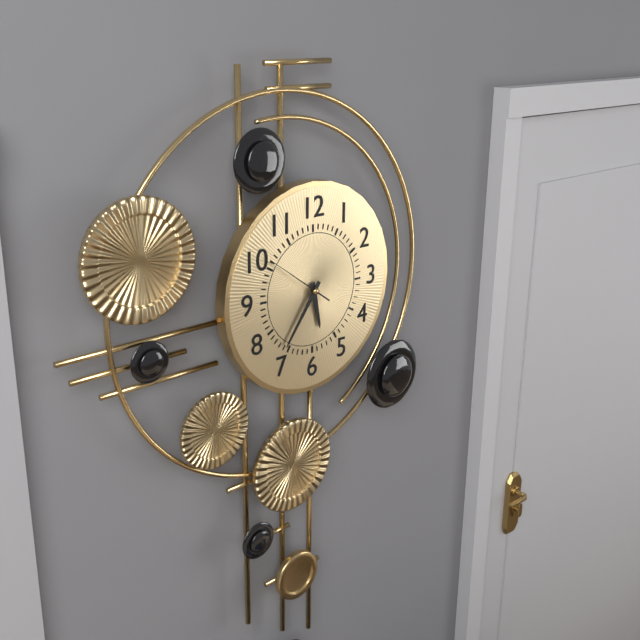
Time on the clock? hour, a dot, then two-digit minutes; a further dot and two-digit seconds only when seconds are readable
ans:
5.36
